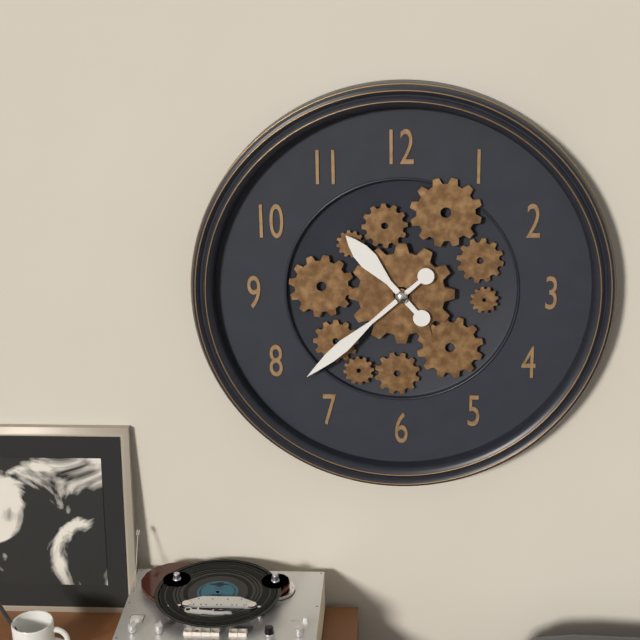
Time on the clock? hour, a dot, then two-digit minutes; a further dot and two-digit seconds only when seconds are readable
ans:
10.38
